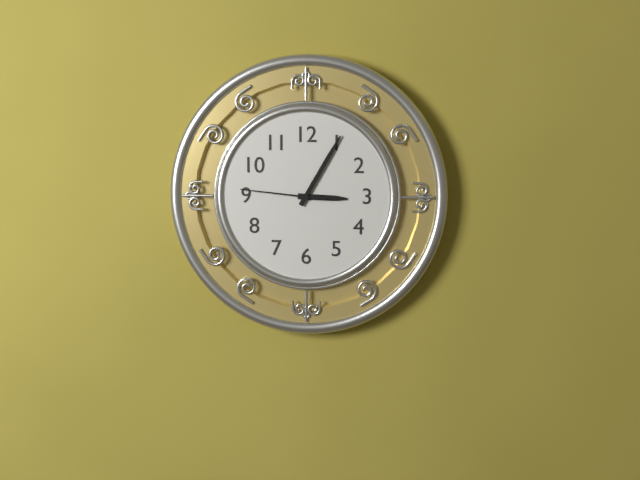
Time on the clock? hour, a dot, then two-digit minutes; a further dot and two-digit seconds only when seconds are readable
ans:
3.05.46
